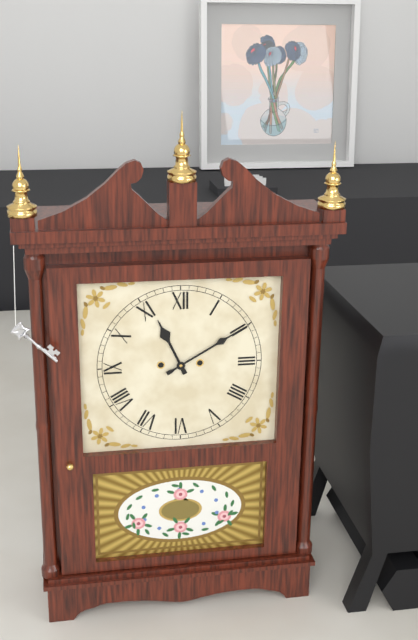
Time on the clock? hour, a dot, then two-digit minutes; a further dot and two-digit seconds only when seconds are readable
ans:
11.10
